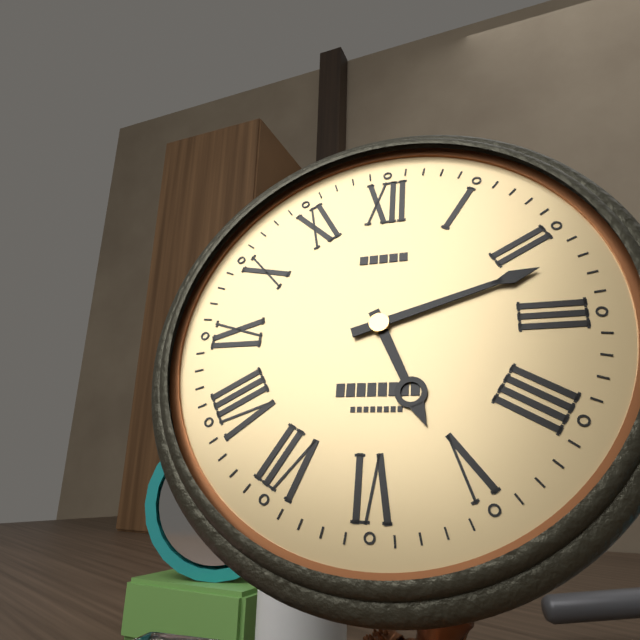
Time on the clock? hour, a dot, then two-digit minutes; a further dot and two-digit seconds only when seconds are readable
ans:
5.12
